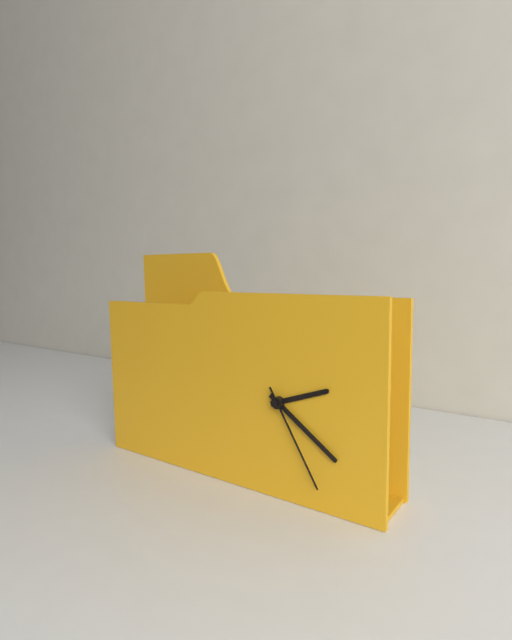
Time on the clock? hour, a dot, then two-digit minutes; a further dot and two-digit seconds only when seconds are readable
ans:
2.21.25
